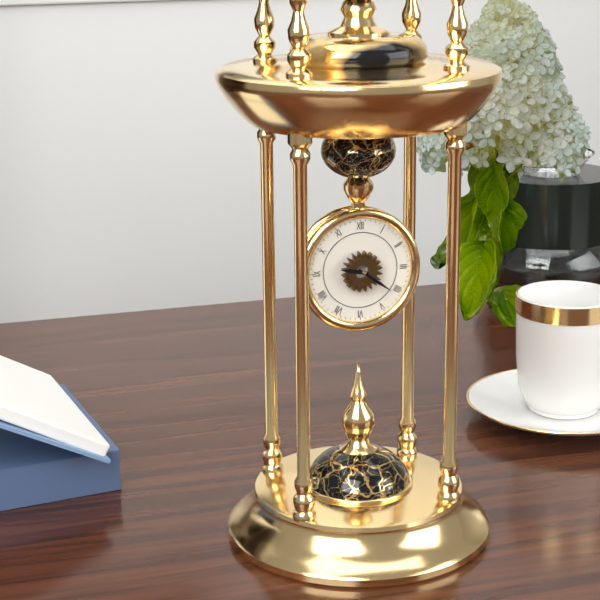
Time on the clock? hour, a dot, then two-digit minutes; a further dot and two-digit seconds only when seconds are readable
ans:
9.21
